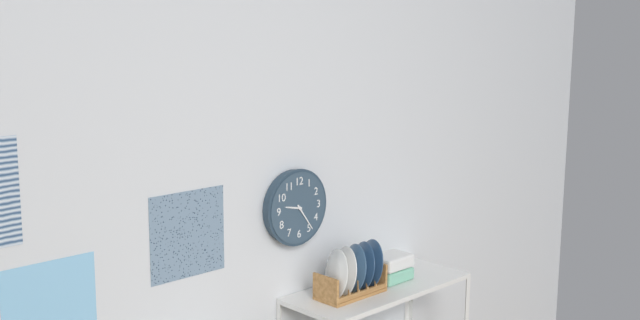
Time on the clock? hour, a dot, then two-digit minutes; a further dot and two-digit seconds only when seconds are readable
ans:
9.24
